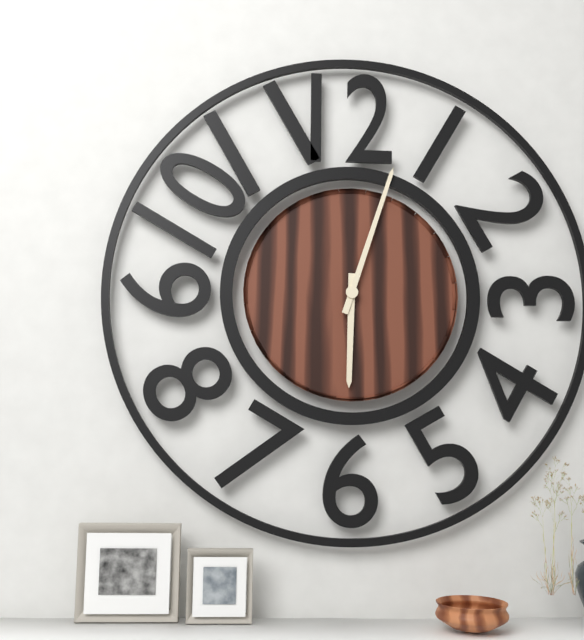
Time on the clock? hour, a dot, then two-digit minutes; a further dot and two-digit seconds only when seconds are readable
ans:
6.03
